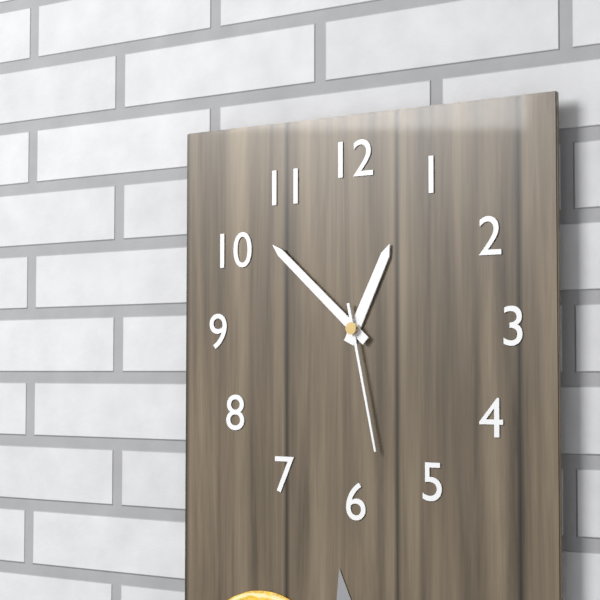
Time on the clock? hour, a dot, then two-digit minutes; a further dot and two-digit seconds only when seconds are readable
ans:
12.52.28
